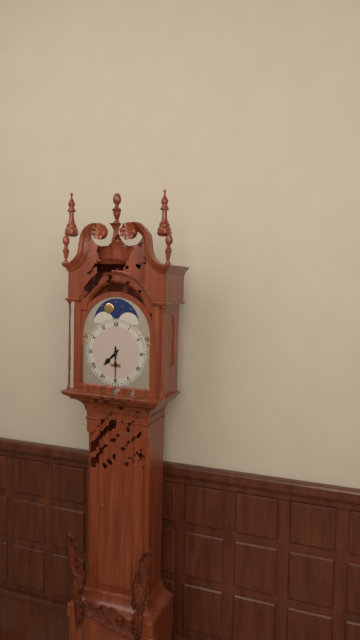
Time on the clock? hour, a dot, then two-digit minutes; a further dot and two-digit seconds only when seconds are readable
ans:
7.30
